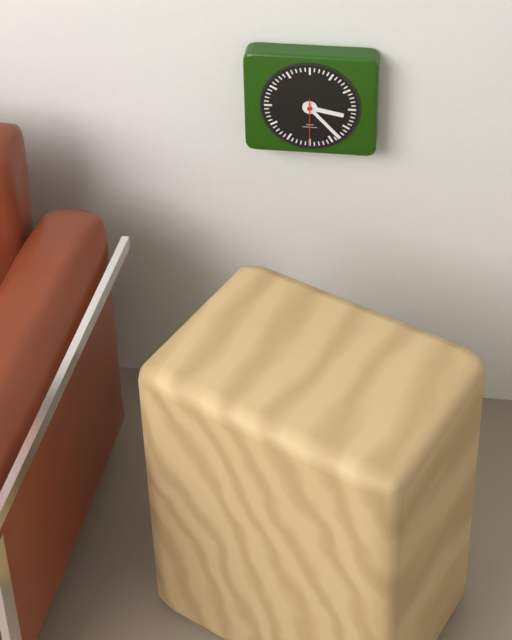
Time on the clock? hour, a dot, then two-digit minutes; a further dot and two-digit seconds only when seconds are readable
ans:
3.23
